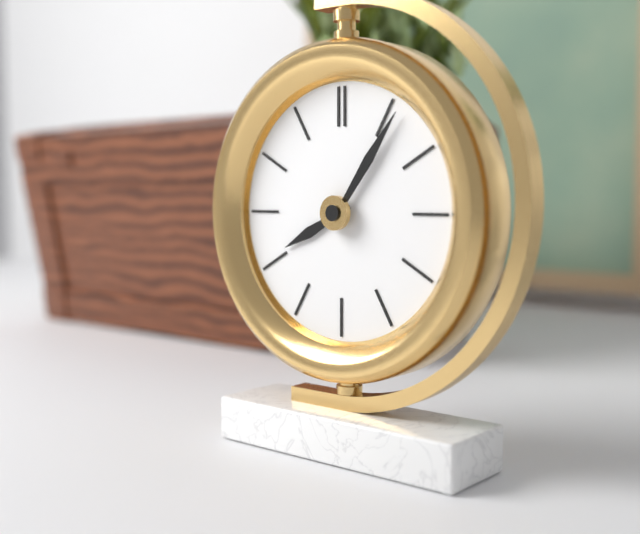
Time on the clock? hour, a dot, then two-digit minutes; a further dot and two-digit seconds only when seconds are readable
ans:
8.06
